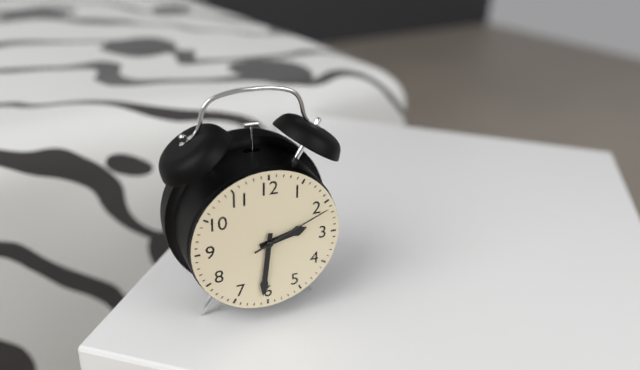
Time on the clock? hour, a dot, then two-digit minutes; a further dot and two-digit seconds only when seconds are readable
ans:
2.31.11
